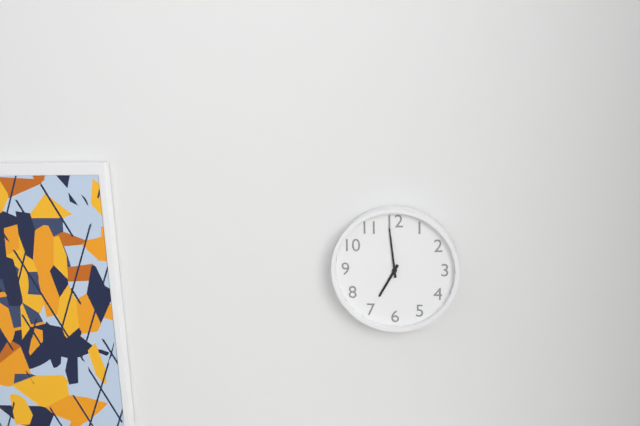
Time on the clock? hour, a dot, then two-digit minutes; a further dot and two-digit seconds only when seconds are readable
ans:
6.59
